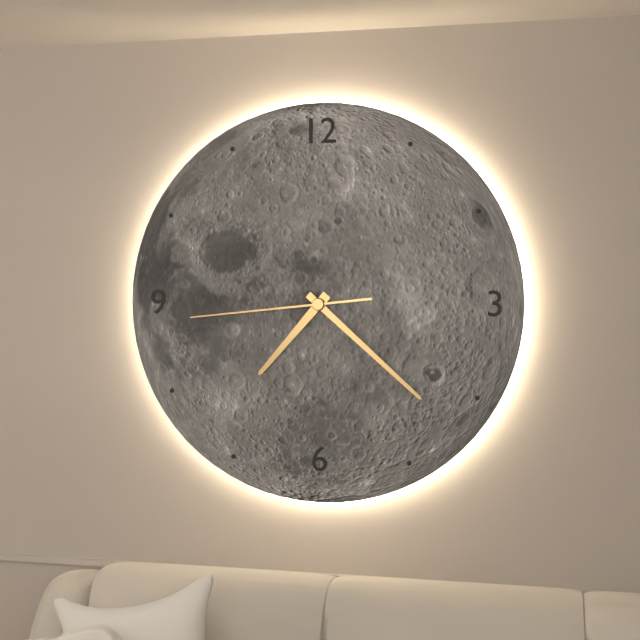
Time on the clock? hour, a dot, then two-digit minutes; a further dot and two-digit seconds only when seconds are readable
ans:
7.22.44
